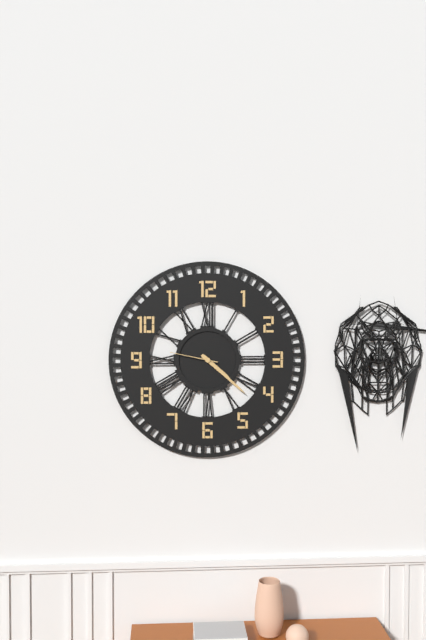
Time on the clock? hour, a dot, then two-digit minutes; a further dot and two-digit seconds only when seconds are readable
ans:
4.22
